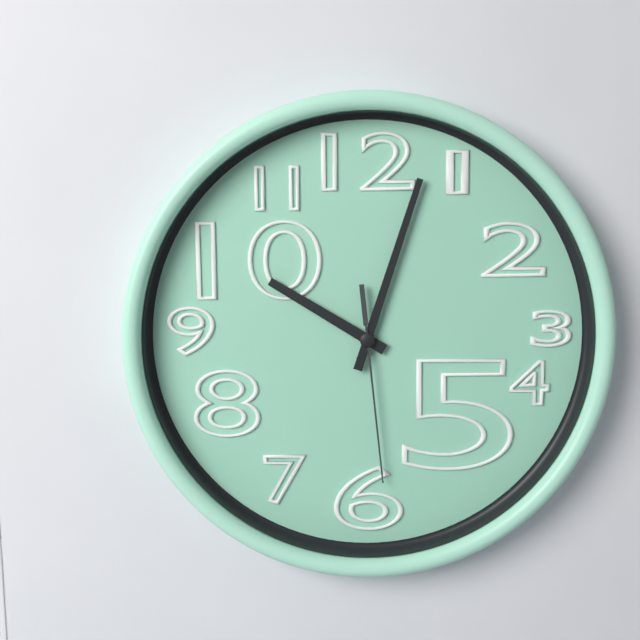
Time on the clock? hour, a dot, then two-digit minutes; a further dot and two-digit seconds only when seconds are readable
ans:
10.03.29
